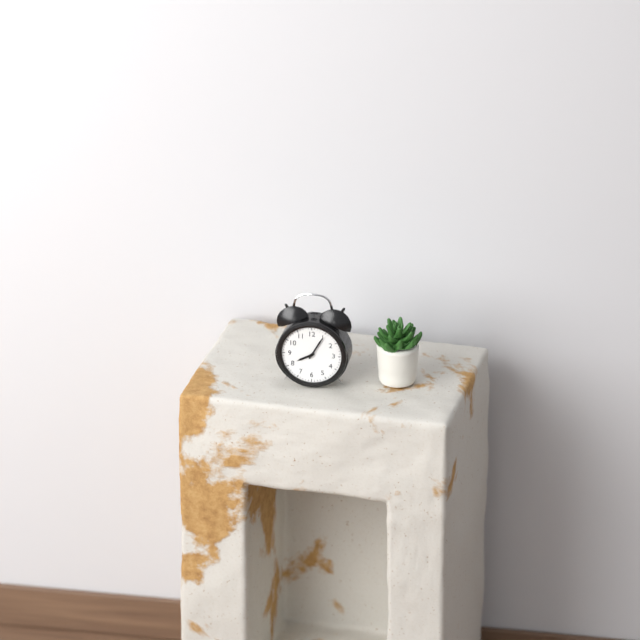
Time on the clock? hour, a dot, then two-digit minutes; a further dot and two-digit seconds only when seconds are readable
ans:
8.05
